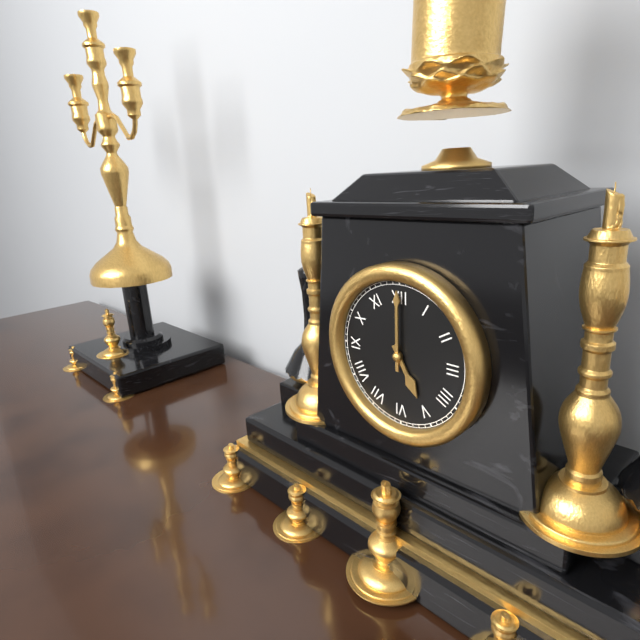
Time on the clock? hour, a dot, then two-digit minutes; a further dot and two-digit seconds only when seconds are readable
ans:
5.00
